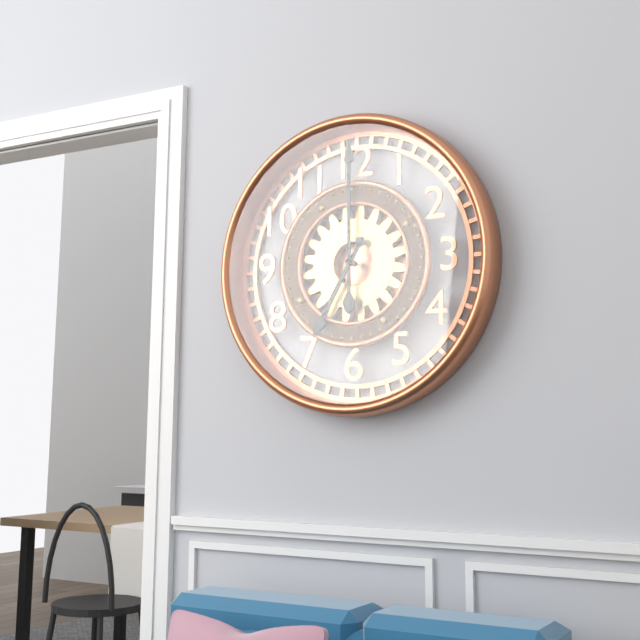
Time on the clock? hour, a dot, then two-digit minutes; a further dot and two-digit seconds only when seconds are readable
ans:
7.00
